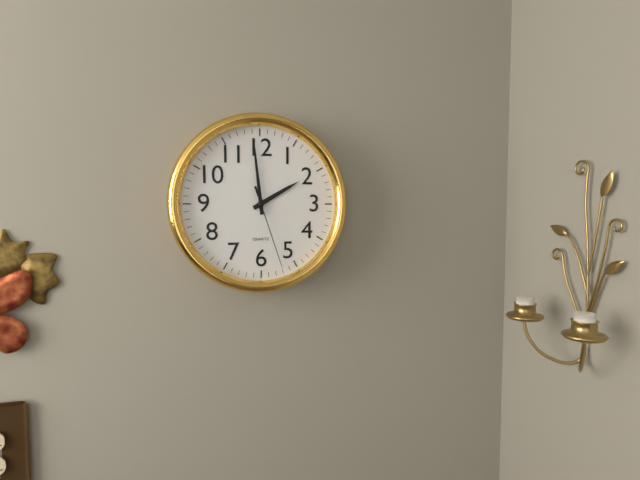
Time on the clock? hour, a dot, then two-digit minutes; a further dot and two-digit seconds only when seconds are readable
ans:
1.59.27
